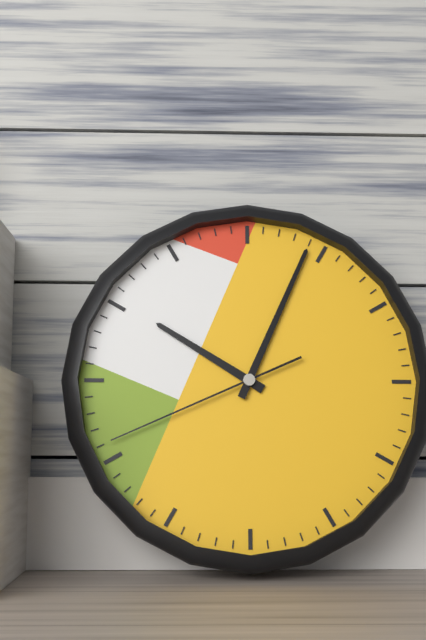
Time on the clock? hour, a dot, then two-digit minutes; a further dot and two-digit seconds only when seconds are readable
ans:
10.04.41
